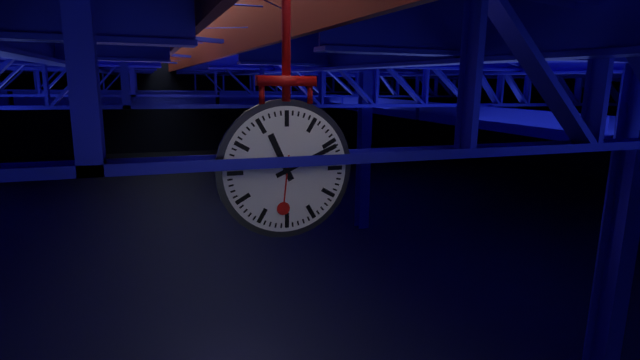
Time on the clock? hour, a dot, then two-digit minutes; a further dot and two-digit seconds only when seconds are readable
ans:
11.11.31
